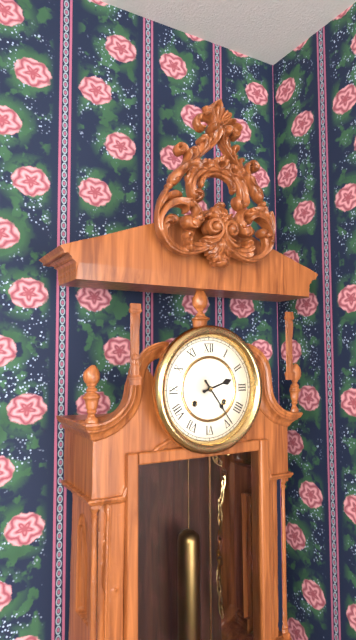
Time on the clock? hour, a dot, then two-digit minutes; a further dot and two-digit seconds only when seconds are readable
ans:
2.24
